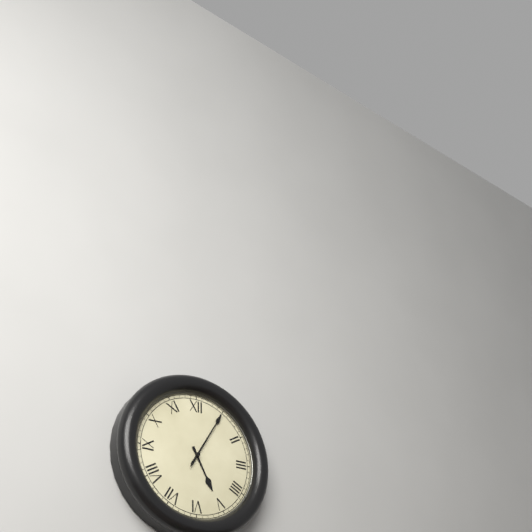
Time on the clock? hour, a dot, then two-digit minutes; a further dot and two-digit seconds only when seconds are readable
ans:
5.05.05
